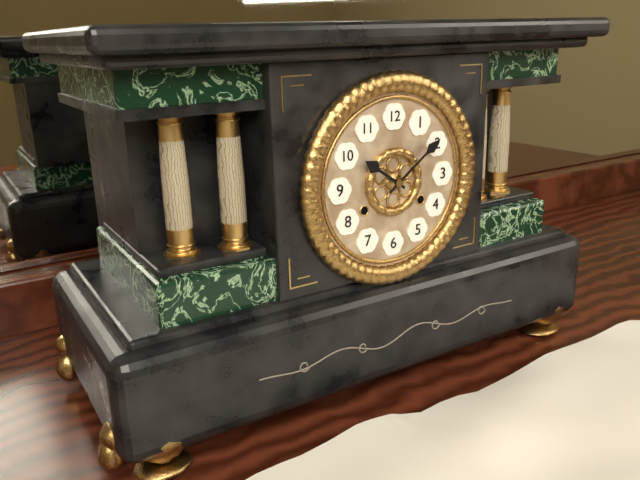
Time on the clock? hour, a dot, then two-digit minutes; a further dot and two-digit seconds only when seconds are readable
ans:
10.09
